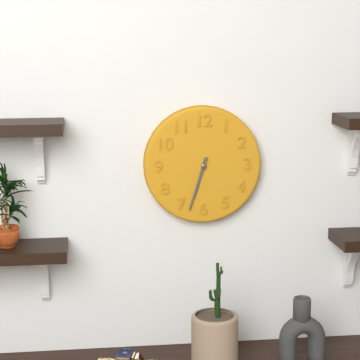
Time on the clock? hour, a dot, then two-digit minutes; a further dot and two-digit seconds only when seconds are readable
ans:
6.33
